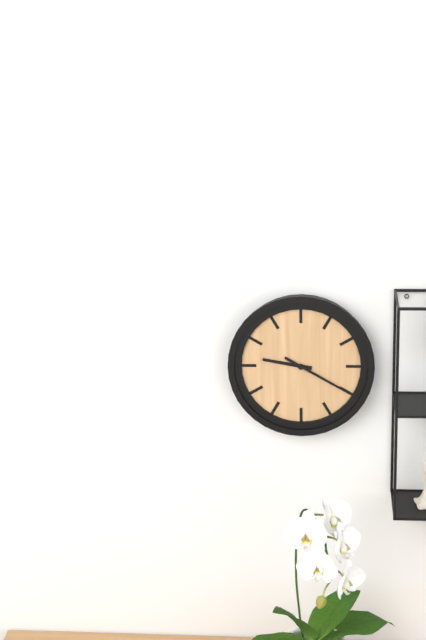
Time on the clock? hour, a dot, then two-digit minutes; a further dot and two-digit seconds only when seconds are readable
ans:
9.20
